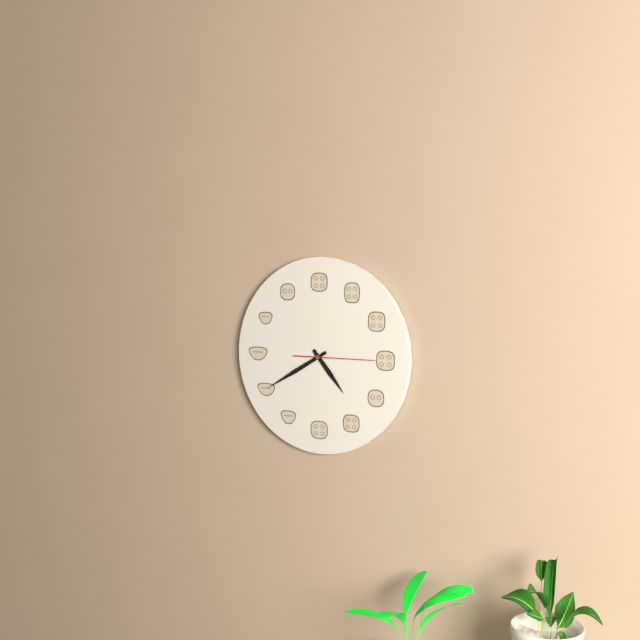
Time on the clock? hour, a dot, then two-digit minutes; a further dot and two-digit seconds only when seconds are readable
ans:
4.40.15
